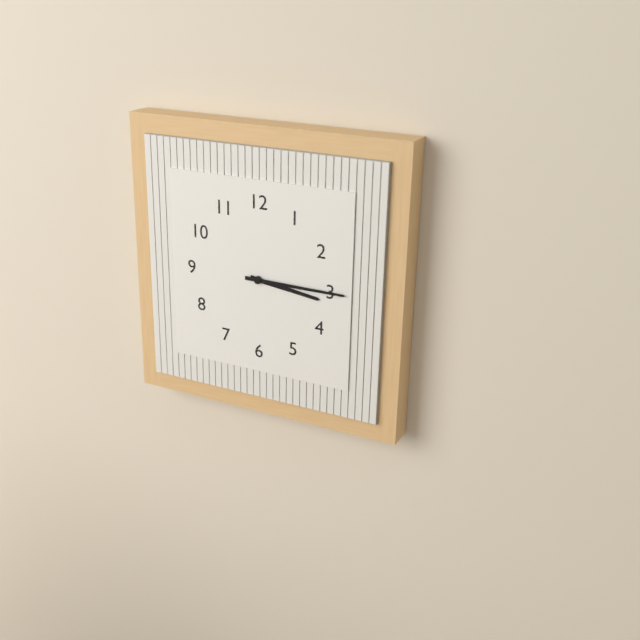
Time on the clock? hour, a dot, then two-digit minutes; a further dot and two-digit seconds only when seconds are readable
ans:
3.15
